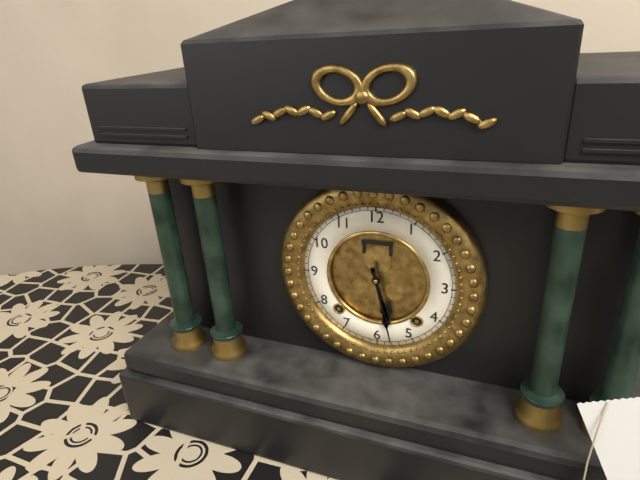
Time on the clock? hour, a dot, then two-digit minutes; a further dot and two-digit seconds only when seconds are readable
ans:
5.28
